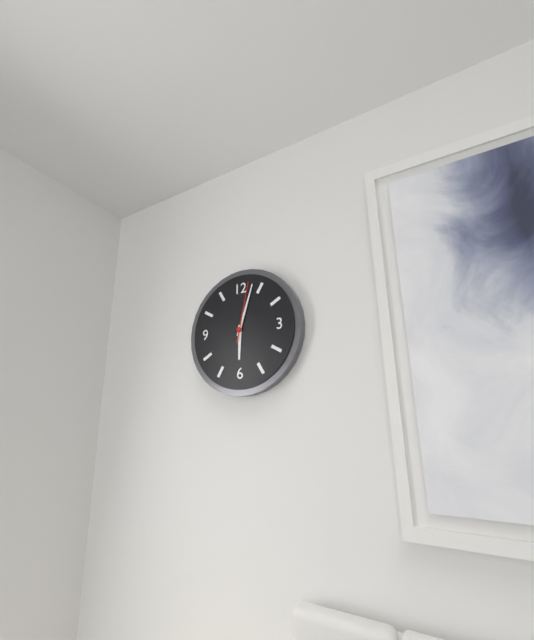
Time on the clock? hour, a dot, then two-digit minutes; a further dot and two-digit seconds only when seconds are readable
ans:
6.03.02
